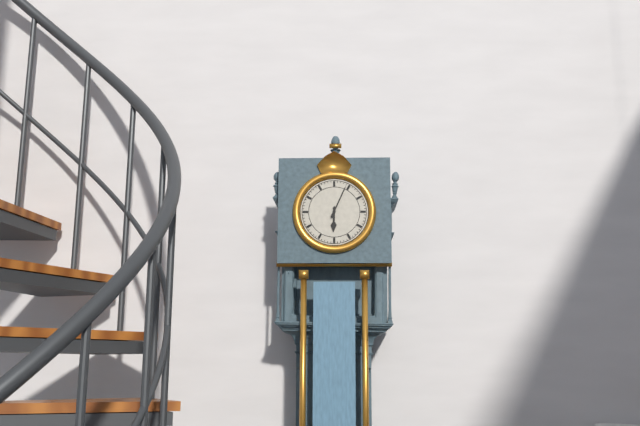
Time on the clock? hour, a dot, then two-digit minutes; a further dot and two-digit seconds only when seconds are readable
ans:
6.04
